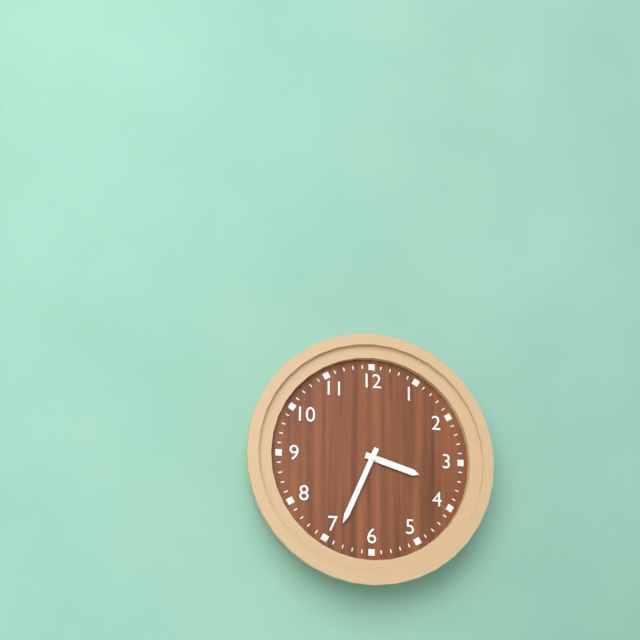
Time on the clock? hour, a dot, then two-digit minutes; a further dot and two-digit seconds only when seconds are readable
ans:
3.34
